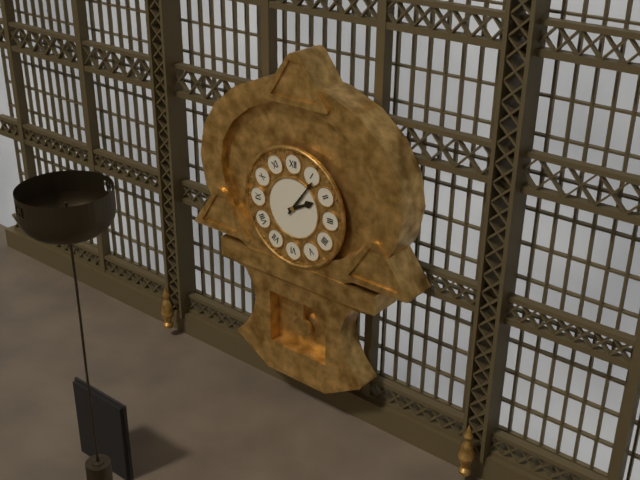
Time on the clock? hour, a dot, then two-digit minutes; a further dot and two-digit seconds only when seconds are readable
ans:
2.06
